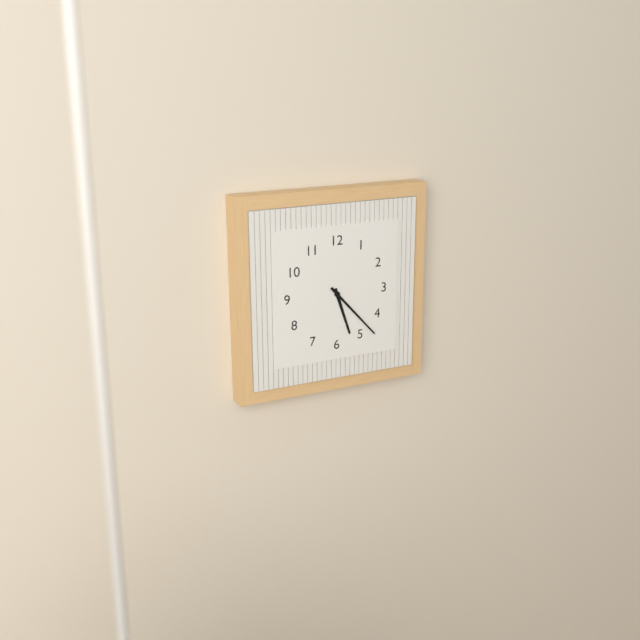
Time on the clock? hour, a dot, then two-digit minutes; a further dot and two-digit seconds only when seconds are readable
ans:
5.23
